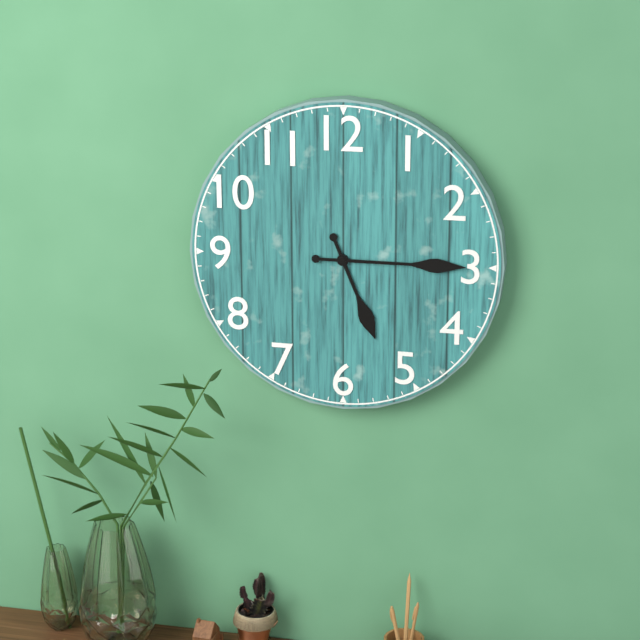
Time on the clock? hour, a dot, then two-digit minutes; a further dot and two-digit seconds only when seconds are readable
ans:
5.15
